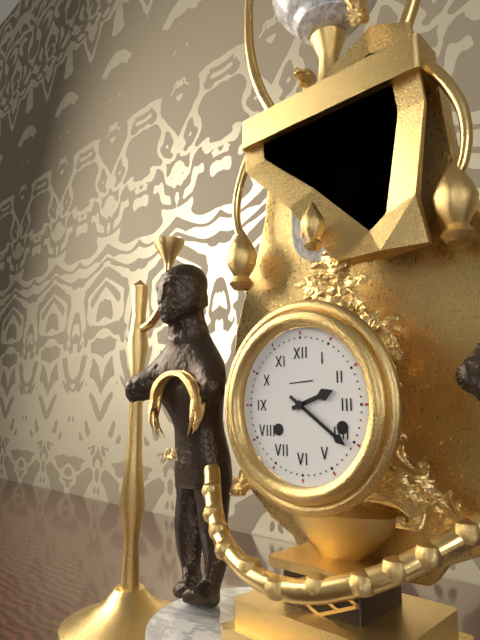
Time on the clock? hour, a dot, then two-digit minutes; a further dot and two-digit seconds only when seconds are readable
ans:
2.21
